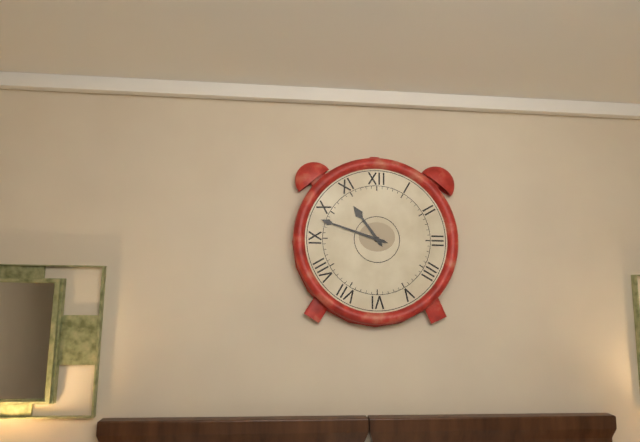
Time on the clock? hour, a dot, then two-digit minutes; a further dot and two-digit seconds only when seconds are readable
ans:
10.48
